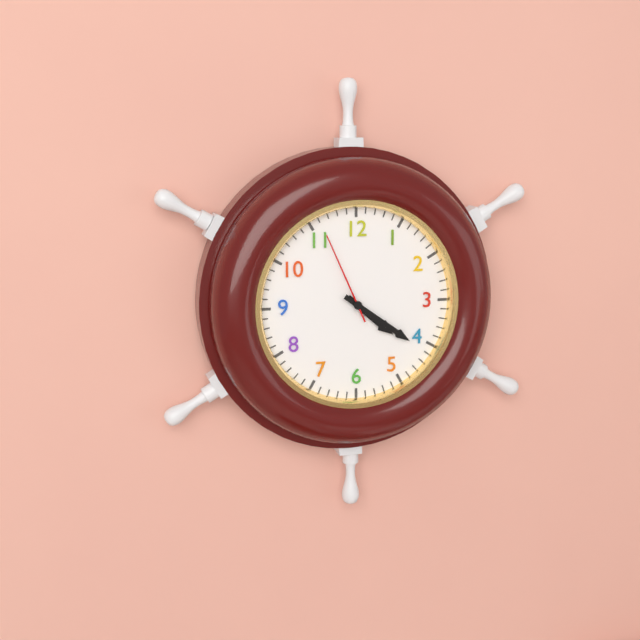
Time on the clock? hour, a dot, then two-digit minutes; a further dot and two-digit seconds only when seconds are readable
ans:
4.21.56
